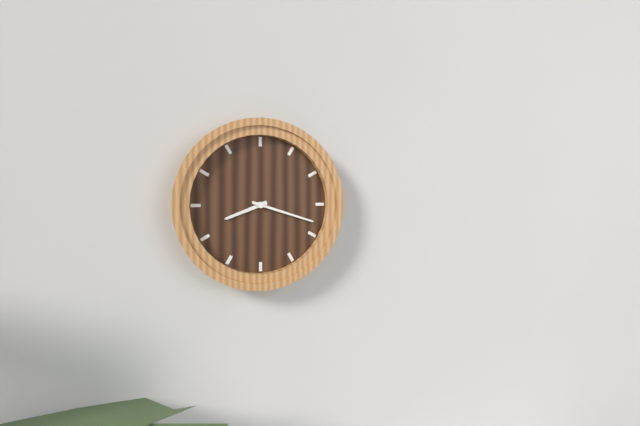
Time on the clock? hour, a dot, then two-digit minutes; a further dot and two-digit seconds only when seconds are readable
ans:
8.18
